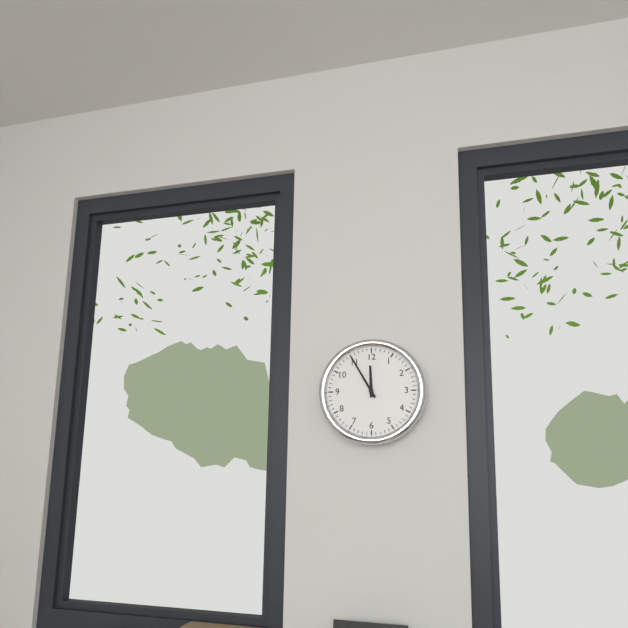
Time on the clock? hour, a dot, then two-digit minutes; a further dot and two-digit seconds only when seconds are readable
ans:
11.55
